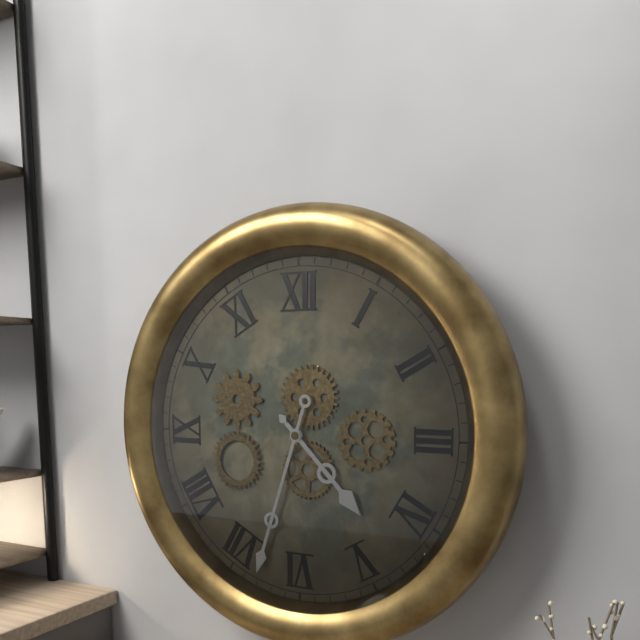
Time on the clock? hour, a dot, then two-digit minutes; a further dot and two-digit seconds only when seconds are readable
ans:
4.33
